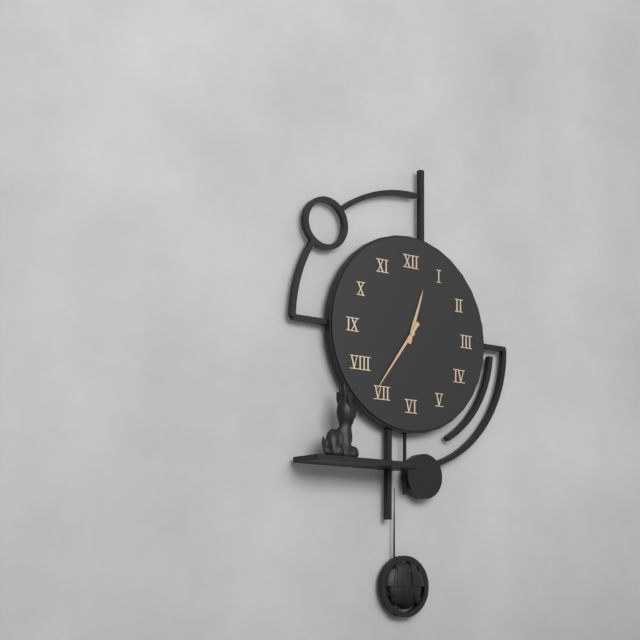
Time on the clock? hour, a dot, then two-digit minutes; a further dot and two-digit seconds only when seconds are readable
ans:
12.36
